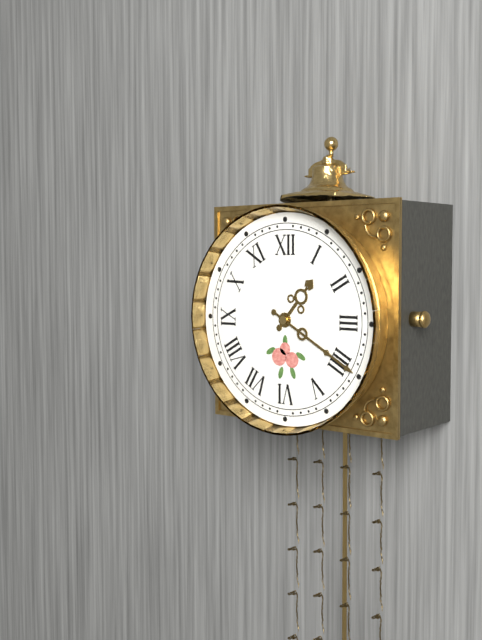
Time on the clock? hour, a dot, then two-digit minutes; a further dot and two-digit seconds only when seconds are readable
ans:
1.20
